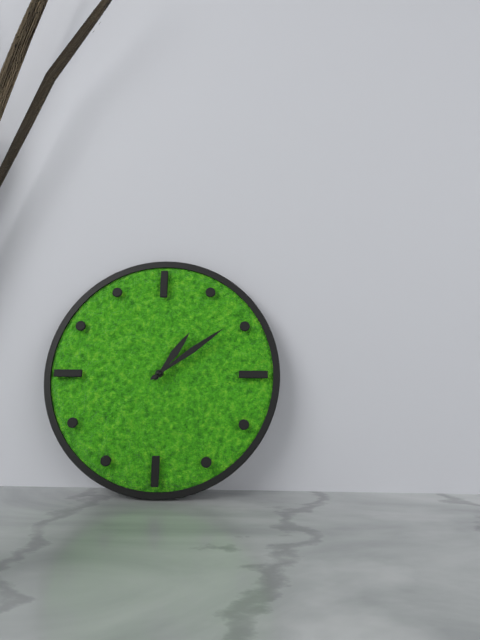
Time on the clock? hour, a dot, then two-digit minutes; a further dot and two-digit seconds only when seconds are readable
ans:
1.09
